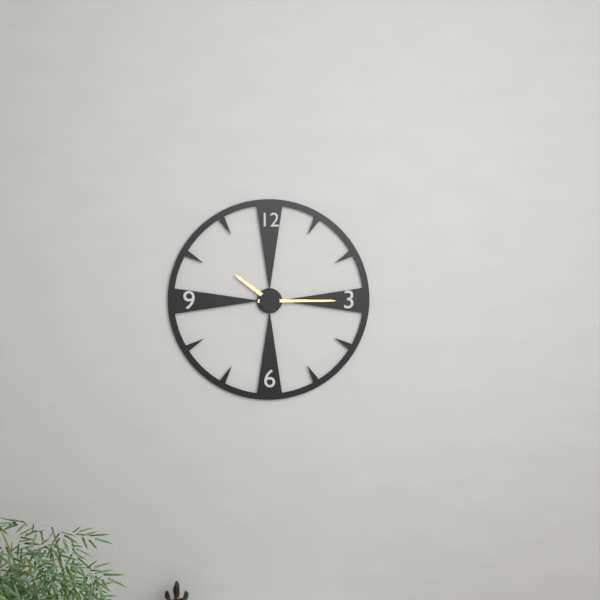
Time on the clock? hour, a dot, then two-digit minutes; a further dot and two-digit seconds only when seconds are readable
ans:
10.15
